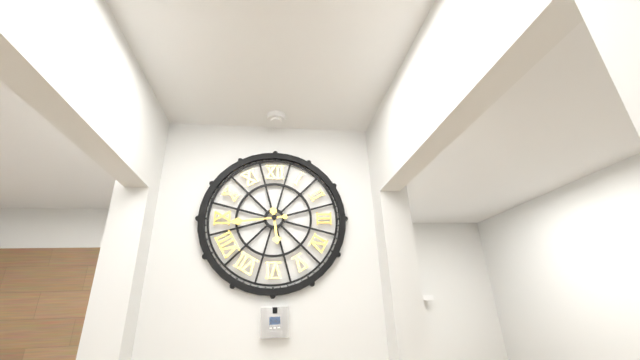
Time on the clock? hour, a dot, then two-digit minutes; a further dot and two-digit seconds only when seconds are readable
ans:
5.44
